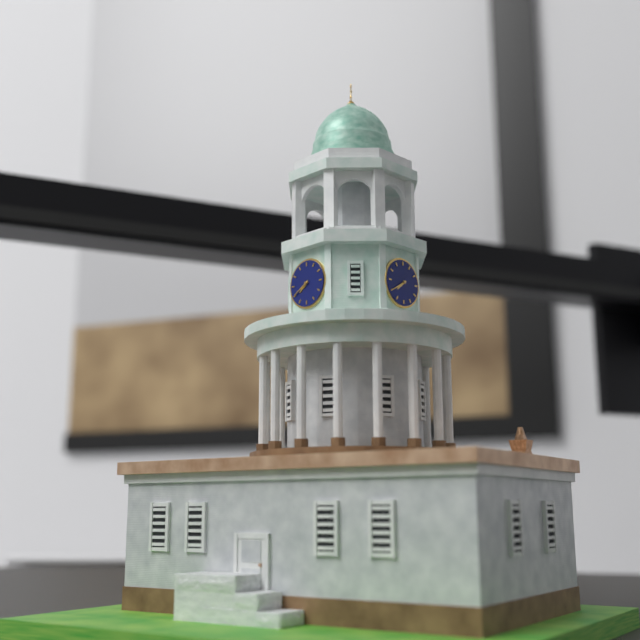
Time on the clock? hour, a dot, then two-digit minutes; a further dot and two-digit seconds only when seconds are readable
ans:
7.40
